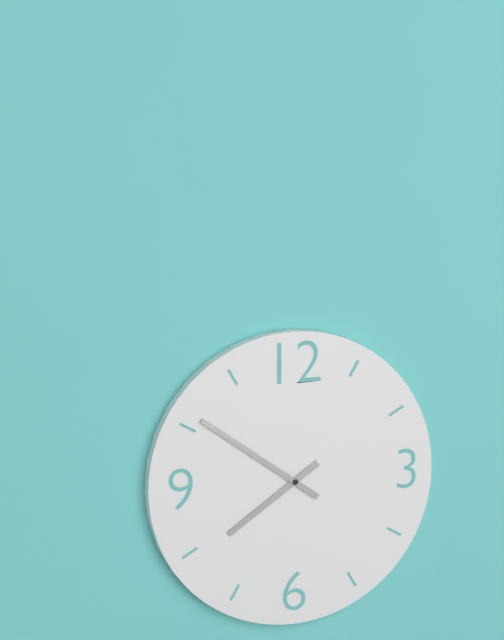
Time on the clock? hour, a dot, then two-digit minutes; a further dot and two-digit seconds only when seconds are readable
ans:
7.51
